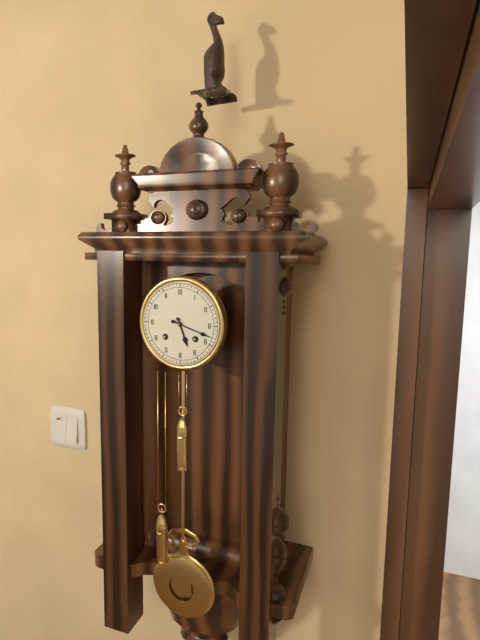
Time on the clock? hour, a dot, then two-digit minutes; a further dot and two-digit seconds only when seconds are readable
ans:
5.18
